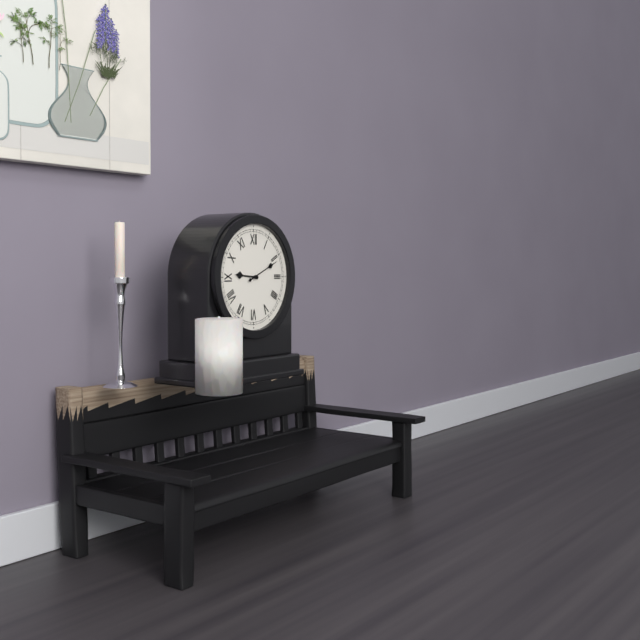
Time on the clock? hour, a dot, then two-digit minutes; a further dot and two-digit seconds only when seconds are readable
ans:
9.11
